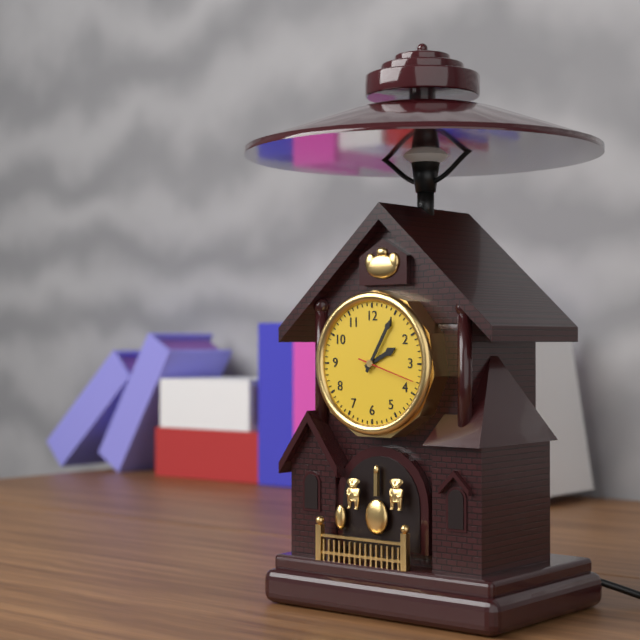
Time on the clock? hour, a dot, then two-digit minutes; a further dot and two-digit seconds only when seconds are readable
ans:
2.05.18
